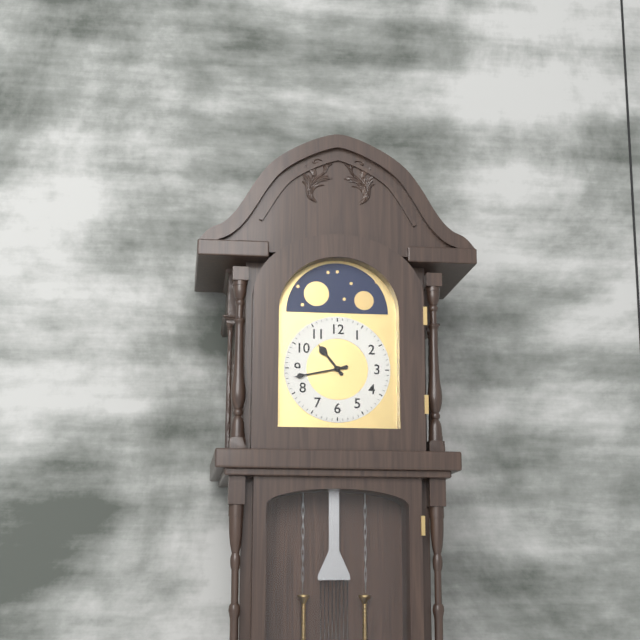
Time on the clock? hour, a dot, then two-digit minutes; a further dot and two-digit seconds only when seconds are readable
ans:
10.43
